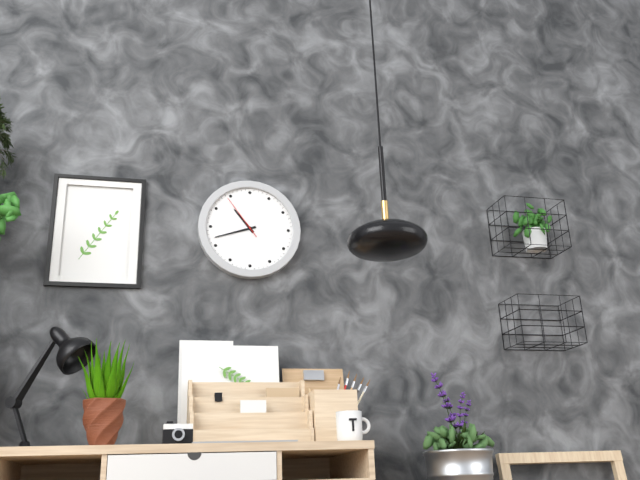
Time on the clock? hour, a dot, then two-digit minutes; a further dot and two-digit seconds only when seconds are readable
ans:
10.42
